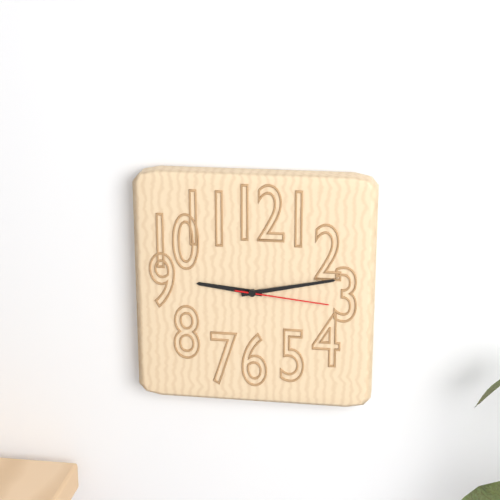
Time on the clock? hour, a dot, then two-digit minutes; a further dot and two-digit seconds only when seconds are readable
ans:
9.13.16
